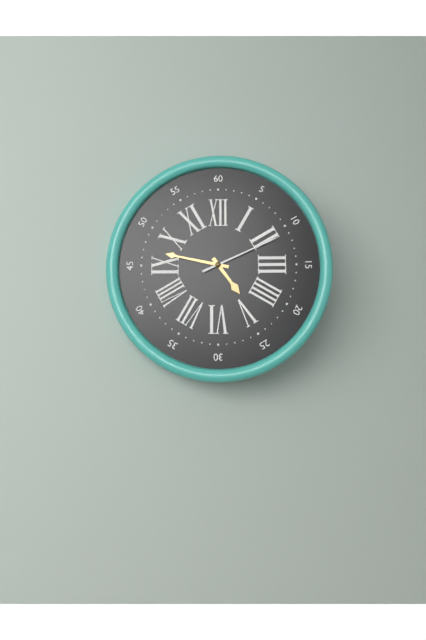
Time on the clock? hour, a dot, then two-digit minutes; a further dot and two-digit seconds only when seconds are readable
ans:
4.47.11
